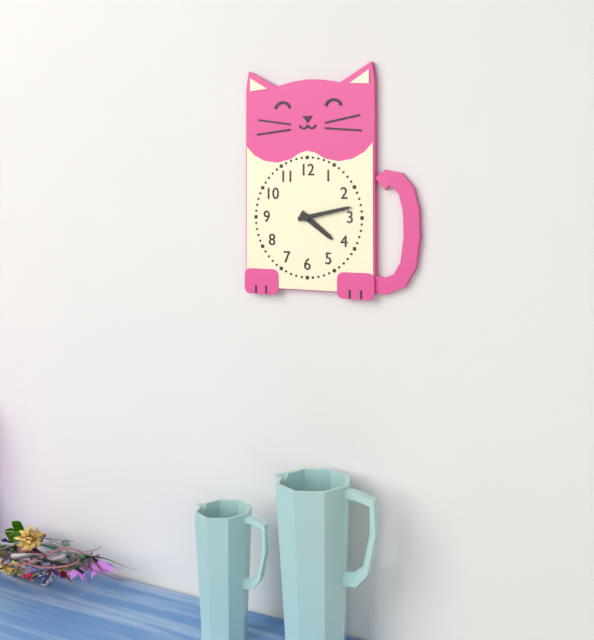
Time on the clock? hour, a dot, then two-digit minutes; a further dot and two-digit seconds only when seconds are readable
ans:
4.13
